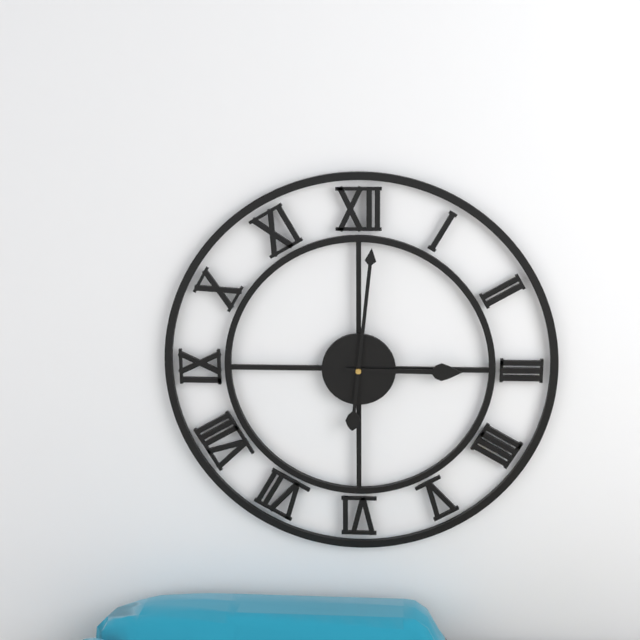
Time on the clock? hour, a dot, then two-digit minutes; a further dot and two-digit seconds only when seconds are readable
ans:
3.01
